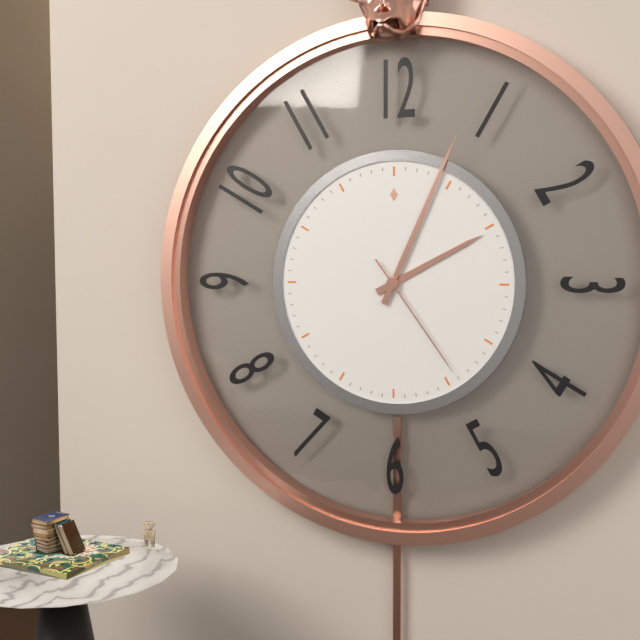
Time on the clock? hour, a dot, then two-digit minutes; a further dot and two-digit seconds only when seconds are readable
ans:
2.04.24
